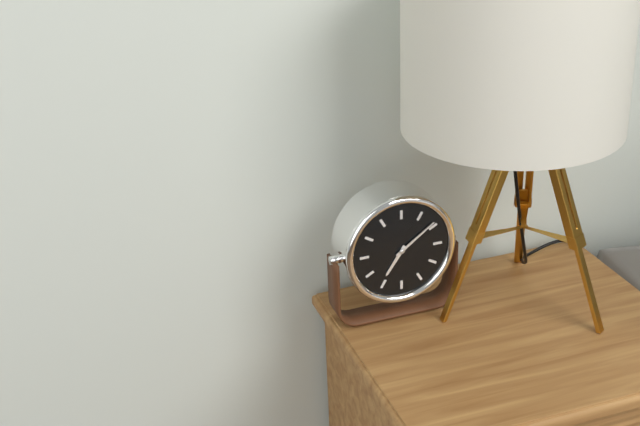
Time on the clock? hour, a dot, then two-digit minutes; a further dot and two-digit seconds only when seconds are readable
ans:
7.09
